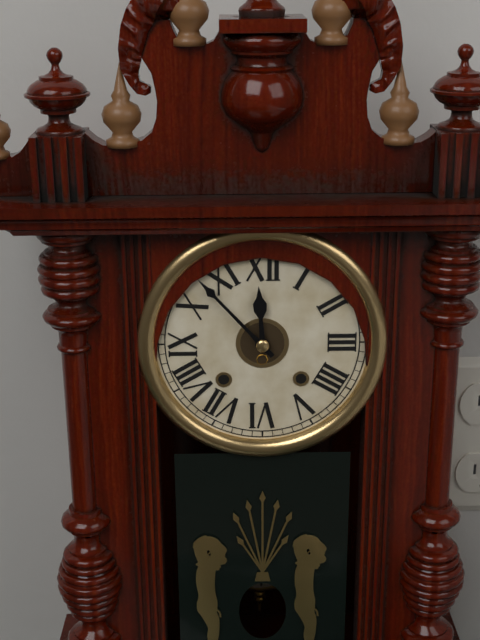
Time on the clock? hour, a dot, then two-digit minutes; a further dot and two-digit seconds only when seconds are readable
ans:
11.53
